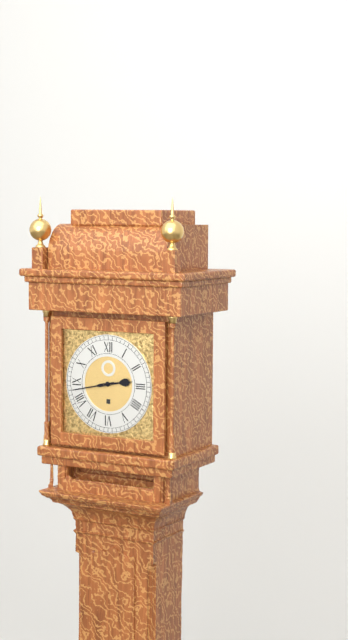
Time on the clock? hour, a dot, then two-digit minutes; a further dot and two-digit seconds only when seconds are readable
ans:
2.43
